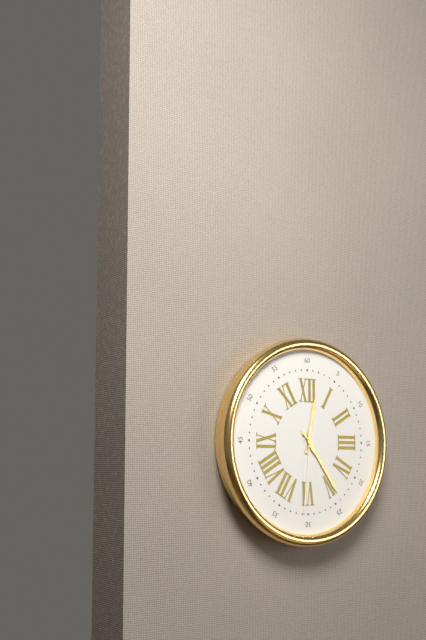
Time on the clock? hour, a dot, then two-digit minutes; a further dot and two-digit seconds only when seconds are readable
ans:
12.24.31
